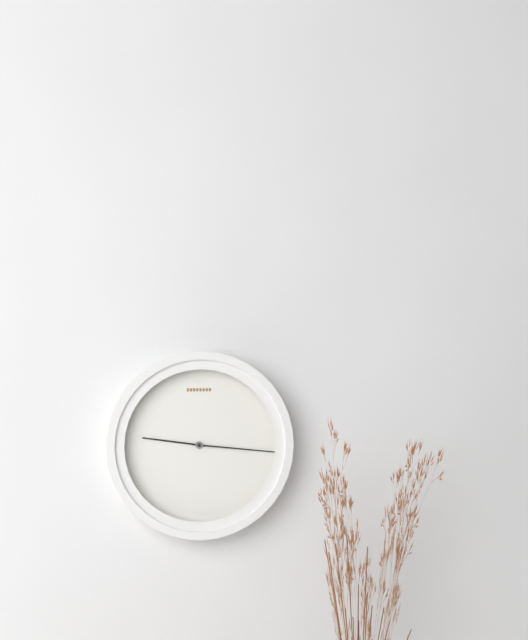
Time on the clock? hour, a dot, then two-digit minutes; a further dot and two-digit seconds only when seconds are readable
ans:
9.16
